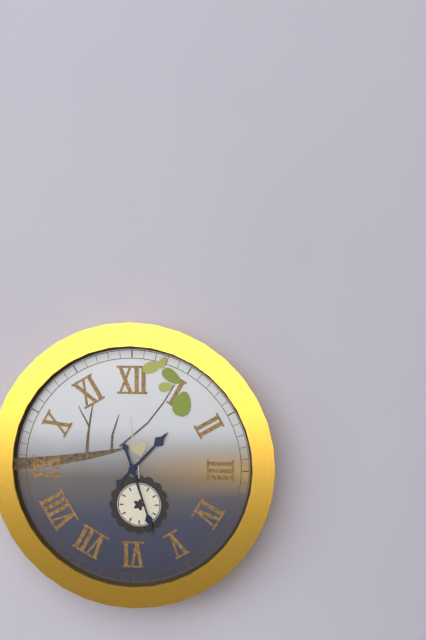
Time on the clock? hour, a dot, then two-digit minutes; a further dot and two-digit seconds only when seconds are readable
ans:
1.27
